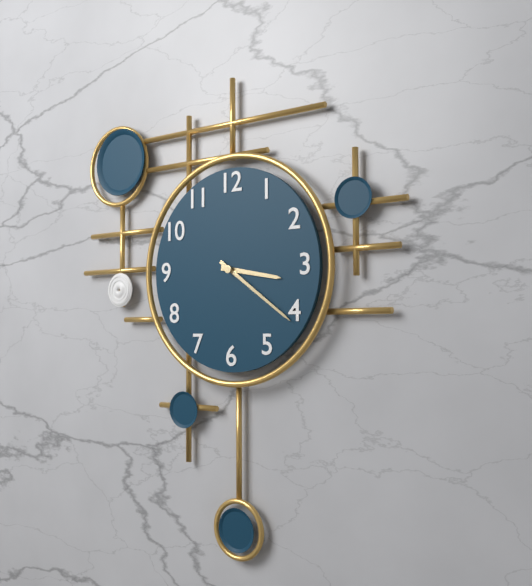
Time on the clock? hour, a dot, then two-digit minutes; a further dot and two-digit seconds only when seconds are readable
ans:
3.21
